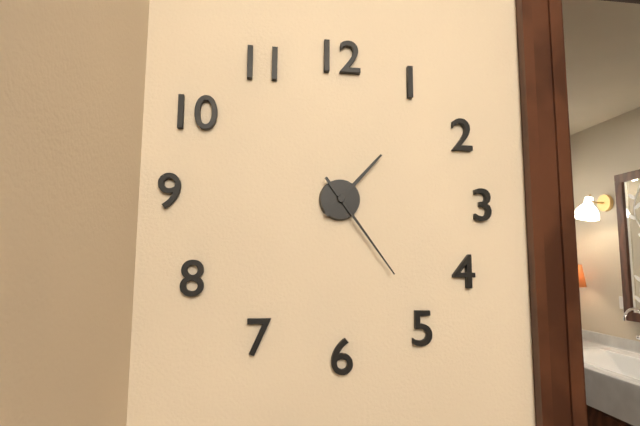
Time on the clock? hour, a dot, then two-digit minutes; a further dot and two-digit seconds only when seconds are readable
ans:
1.24
